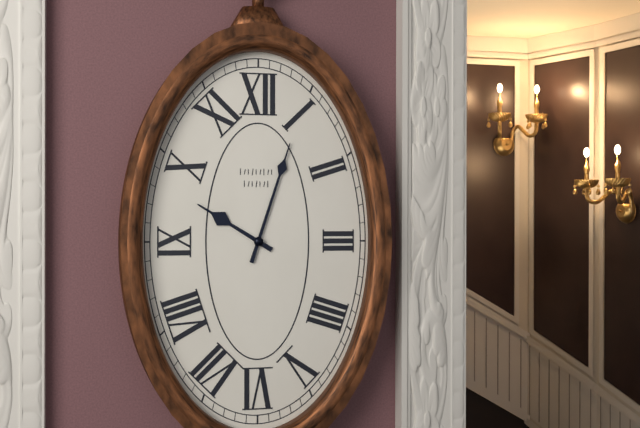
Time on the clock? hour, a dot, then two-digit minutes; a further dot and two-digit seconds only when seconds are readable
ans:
10.03
